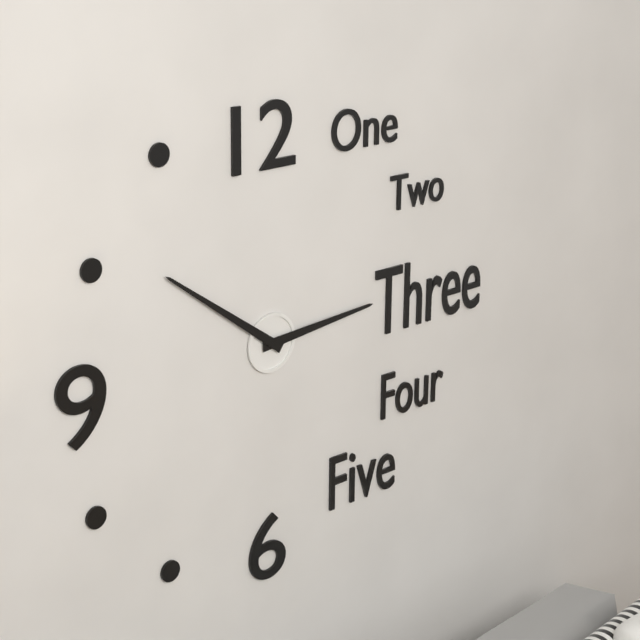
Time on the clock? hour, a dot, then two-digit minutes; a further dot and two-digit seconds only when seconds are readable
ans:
2.51
